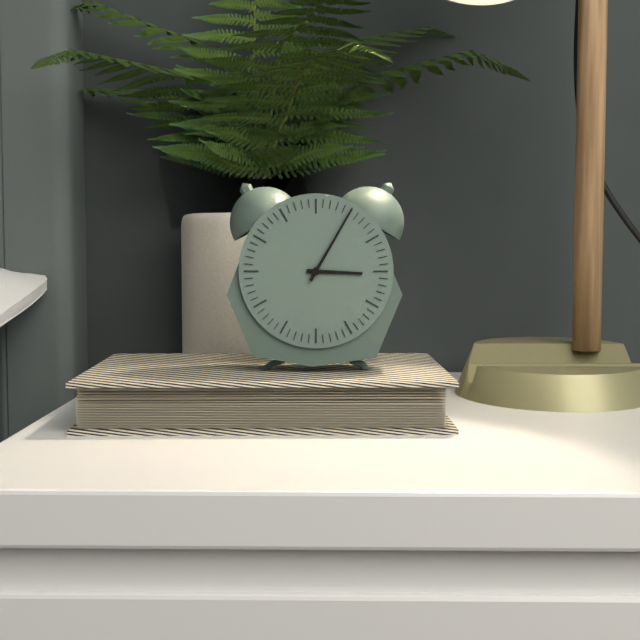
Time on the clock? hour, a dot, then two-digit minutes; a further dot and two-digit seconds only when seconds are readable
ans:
3.05
